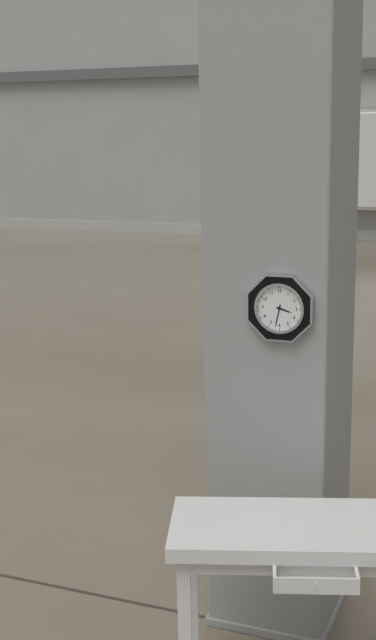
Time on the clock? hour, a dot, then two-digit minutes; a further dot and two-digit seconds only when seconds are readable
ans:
3.32
